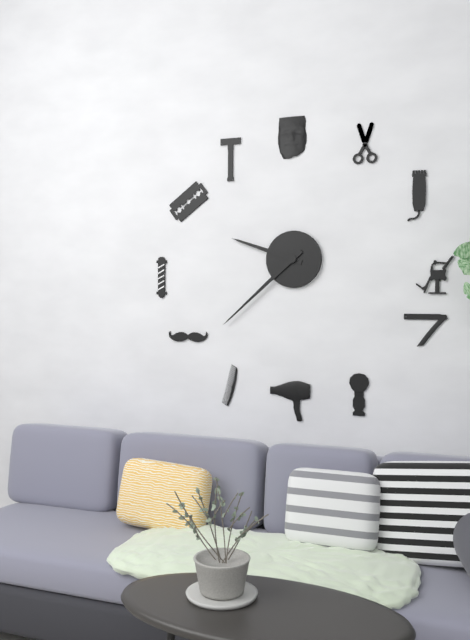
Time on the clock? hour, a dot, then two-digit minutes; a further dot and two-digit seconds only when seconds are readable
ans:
9.38
